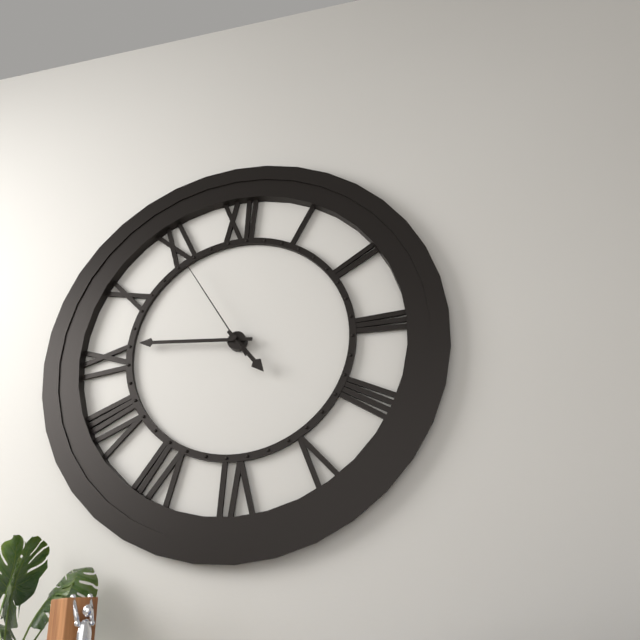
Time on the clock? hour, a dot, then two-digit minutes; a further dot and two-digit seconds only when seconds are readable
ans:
4.46.55
